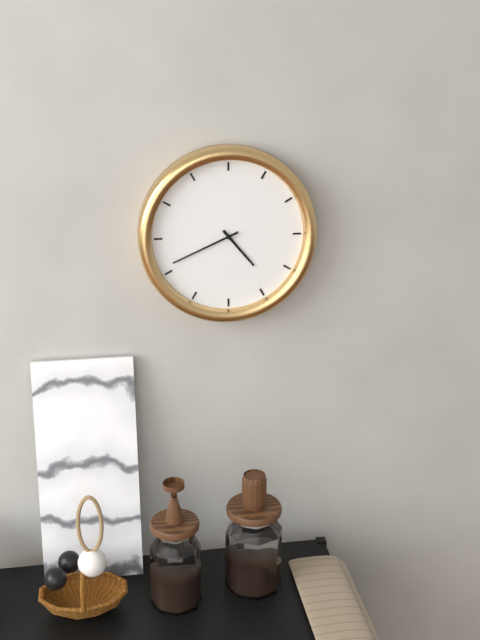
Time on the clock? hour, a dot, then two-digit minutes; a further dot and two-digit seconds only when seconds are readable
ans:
4.41
